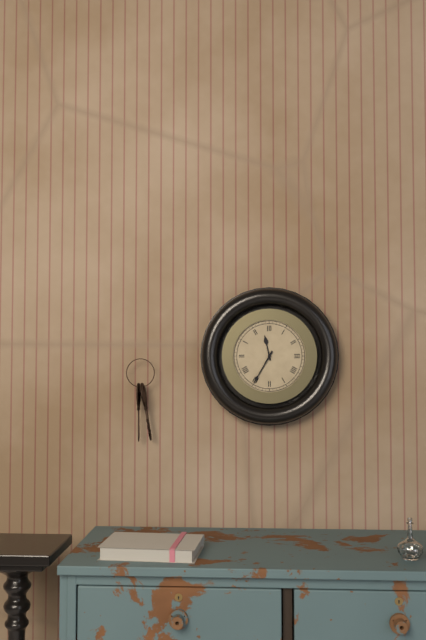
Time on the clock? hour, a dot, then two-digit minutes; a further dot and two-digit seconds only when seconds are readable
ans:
11.35
